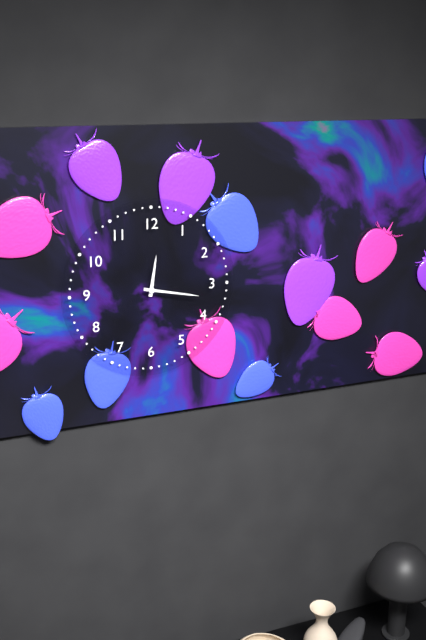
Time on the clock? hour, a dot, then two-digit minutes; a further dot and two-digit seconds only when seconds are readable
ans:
12.17
